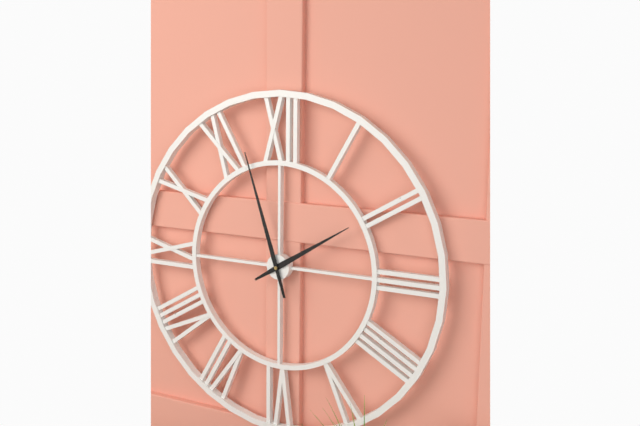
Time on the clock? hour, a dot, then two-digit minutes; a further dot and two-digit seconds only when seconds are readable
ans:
1.57
